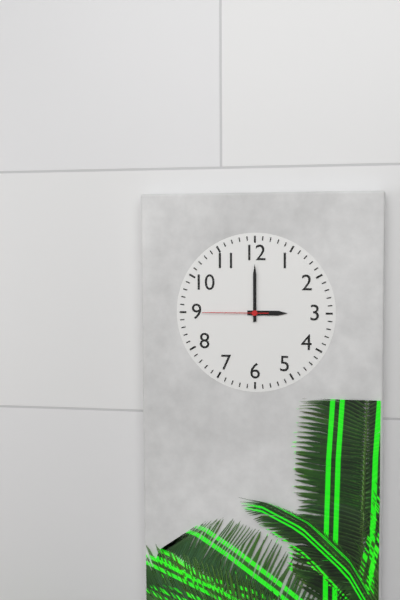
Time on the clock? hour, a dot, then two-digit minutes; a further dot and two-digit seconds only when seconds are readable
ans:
3.00.45
